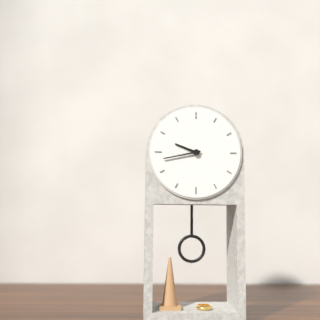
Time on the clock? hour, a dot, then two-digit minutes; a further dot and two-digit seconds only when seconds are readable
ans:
9.43
